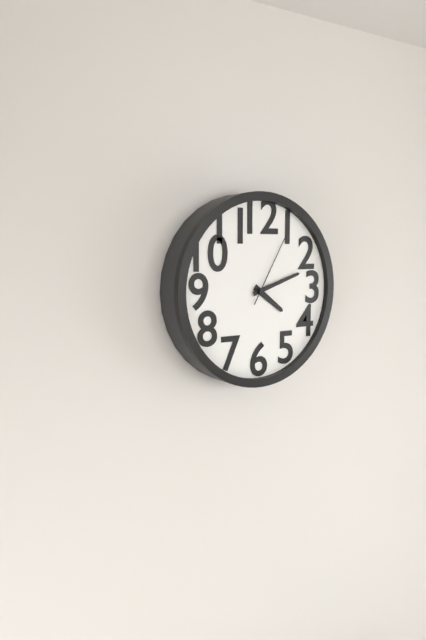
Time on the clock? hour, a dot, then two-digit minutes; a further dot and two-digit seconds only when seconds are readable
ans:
4.12.05
